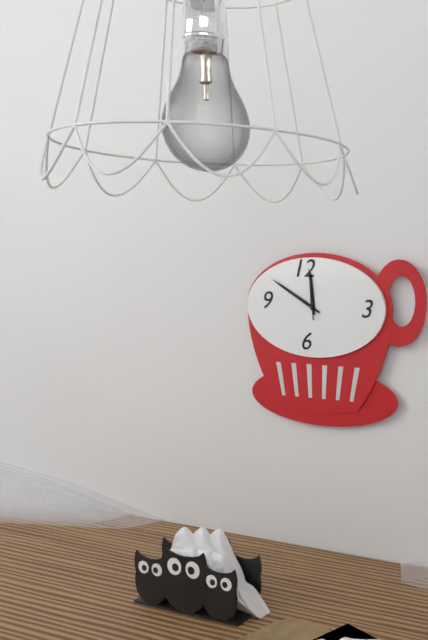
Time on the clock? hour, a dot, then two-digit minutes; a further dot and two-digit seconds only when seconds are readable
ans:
11.50.59
